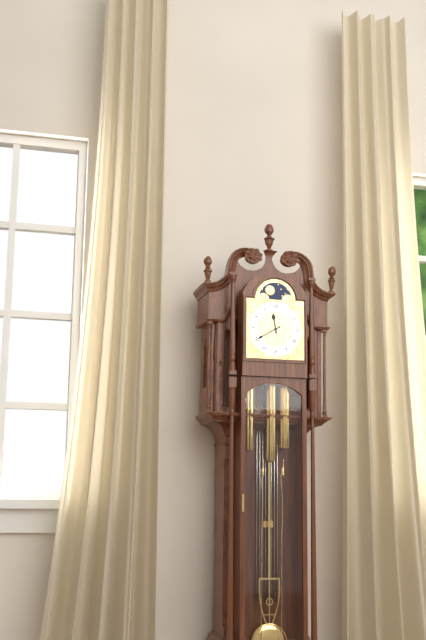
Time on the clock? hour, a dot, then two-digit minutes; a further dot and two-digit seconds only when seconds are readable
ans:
11.40
